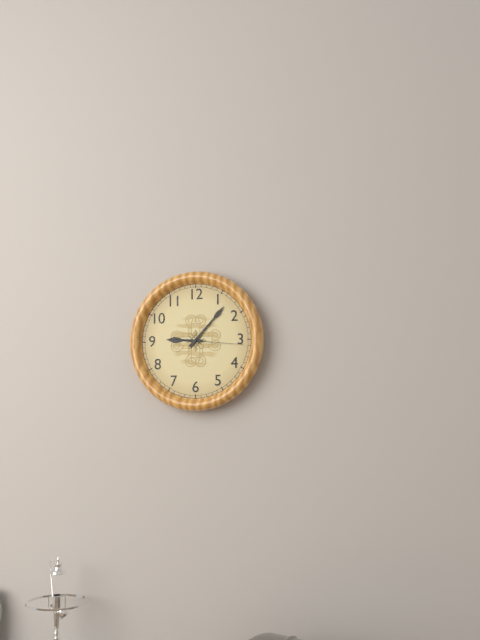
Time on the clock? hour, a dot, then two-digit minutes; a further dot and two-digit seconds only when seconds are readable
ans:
9.07.16
